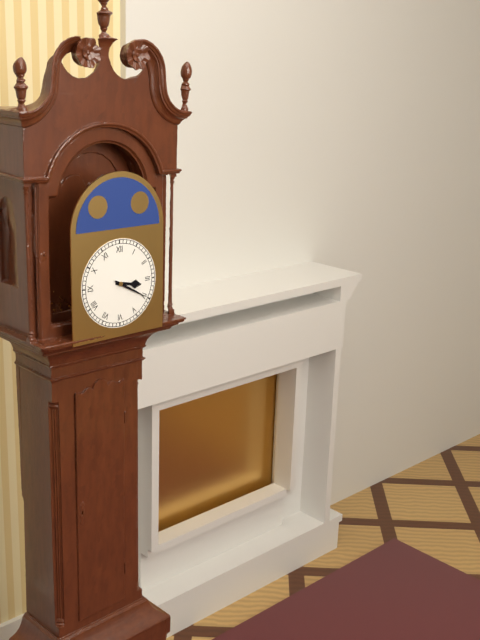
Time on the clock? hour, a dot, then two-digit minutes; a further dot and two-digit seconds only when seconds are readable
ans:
3.20
